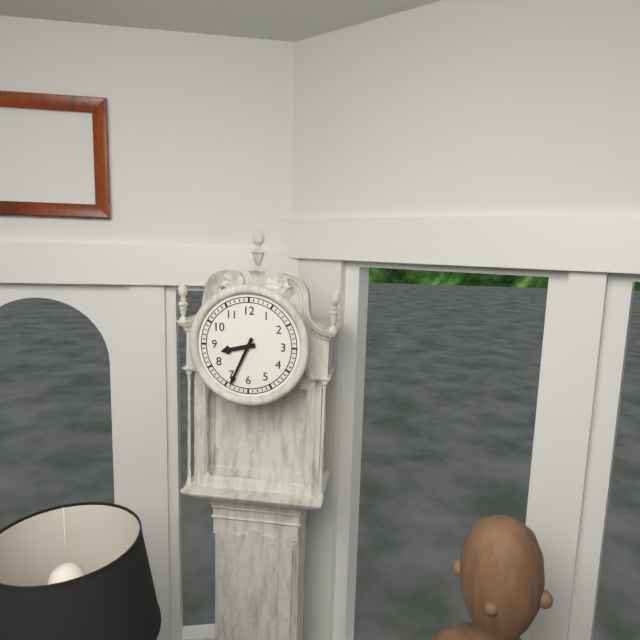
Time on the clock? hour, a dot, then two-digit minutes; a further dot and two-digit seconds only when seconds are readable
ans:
8.34
